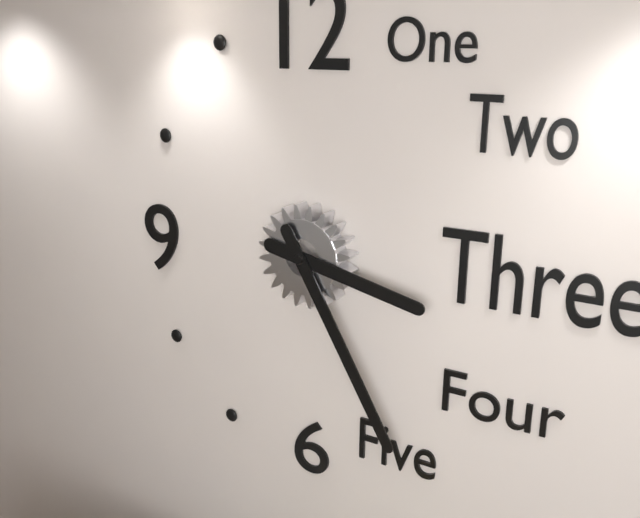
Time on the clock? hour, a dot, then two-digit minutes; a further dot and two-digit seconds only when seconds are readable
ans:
3.25
